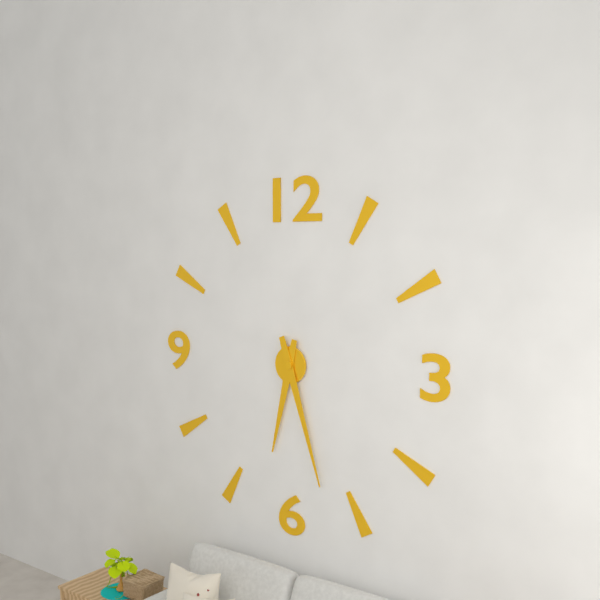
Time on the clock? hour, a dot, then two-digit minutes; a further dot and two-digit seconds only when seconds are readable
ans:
6.27
